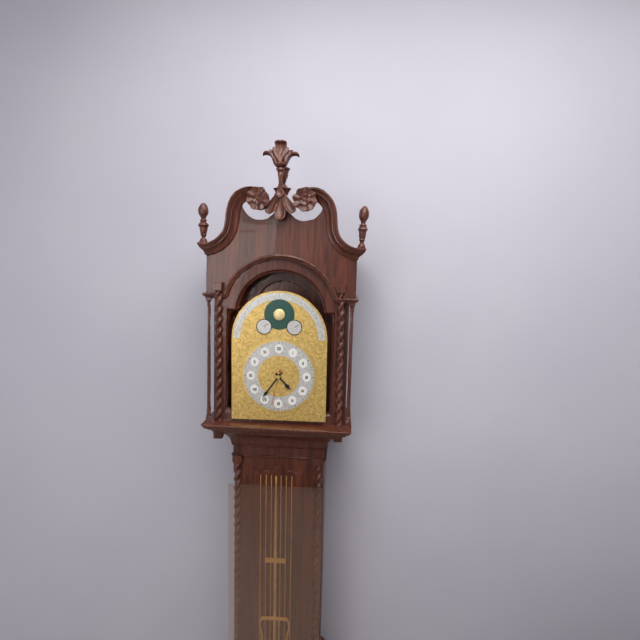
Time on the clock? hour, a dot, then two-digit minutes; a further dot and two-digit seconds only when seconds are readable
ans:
4.36
